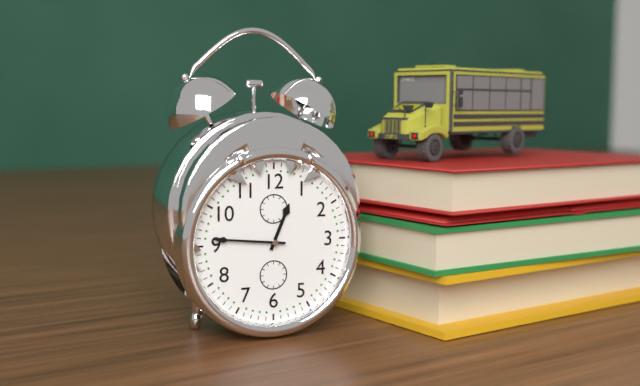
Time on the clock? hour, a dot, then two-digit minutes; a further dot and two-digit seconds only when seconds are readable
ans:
12.46
